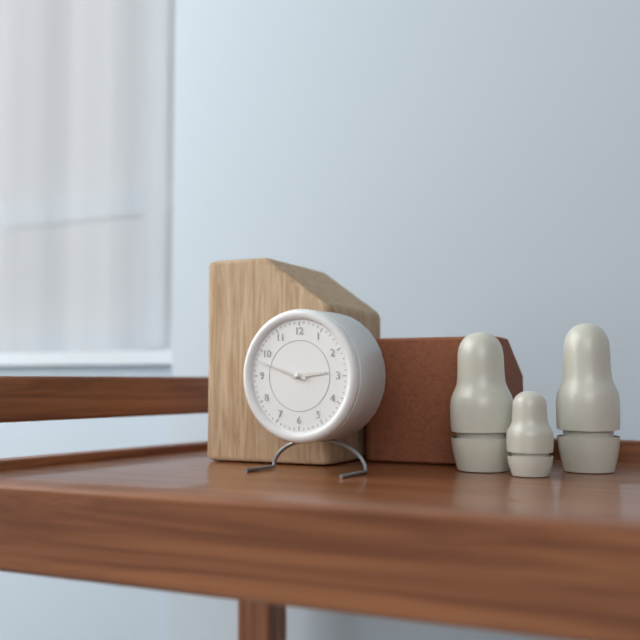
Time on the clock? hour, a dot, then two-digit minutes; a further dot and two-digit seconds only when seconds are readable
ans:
2.48
